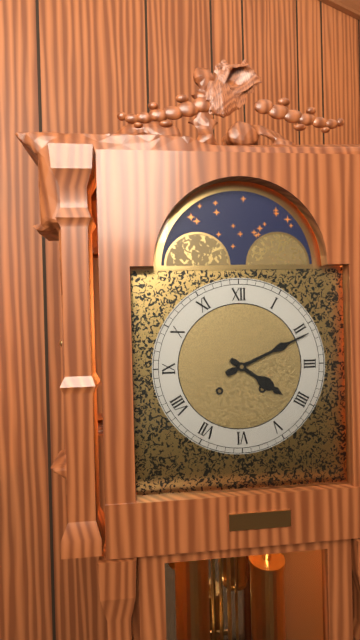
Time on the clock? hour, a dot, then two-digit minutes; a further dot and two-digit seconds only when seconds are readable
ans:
4.11
